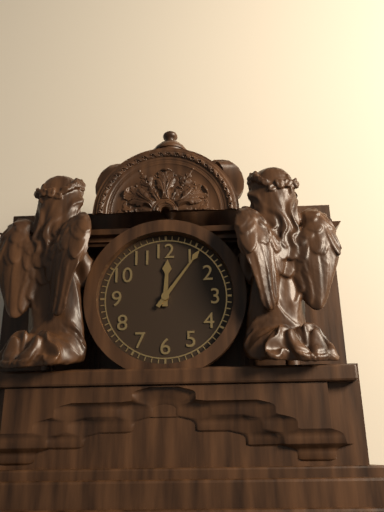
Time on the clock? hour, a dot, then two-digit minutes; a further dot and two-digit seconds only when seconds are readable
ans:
12.06
